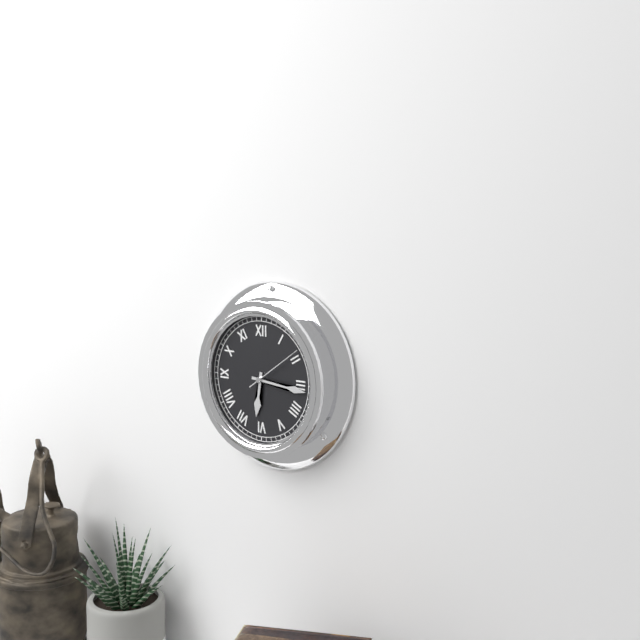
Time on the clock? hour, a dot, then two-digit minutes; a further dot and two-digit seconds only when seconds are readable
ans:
6.16
